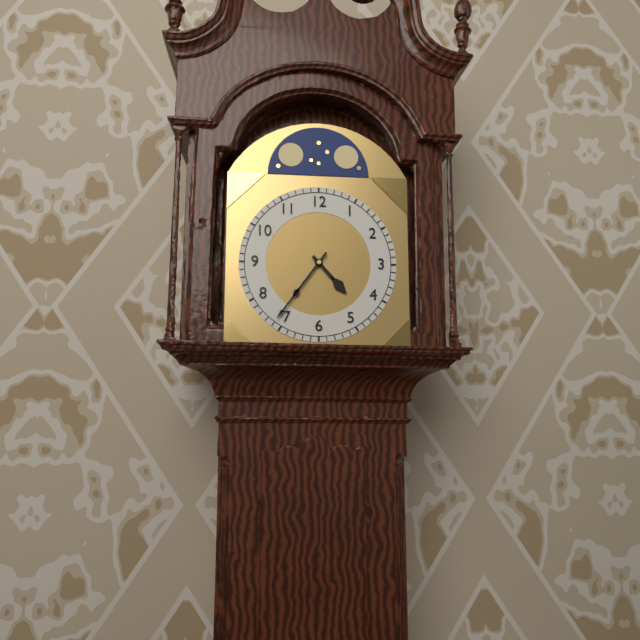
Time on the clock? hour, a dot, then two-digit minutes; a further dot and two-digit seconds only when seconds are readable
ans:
4.36
